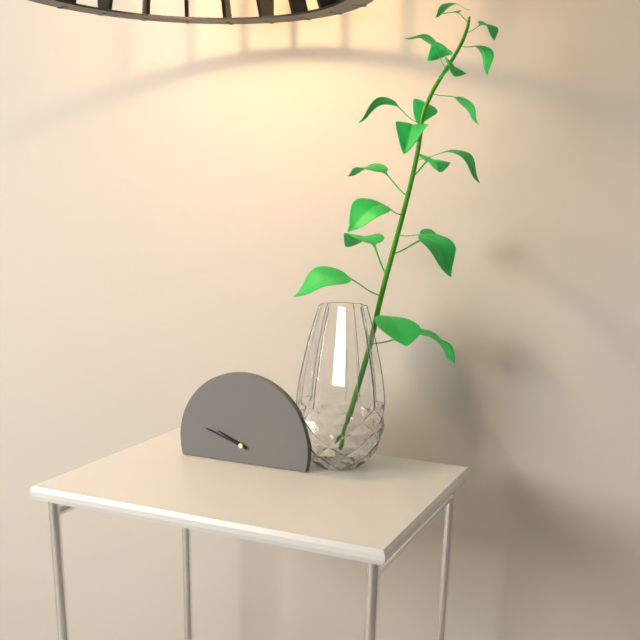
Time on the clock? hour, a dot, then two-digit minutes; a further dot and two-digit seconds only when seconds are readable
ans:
9.48
